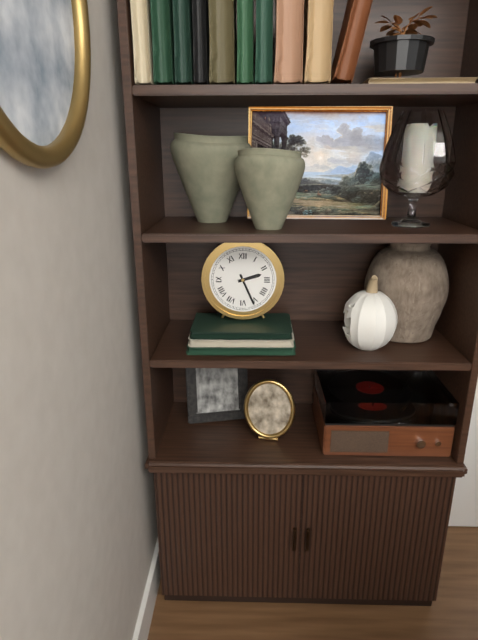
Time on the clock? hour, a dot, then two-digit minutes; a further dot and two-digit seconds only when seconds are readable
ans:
2.26
